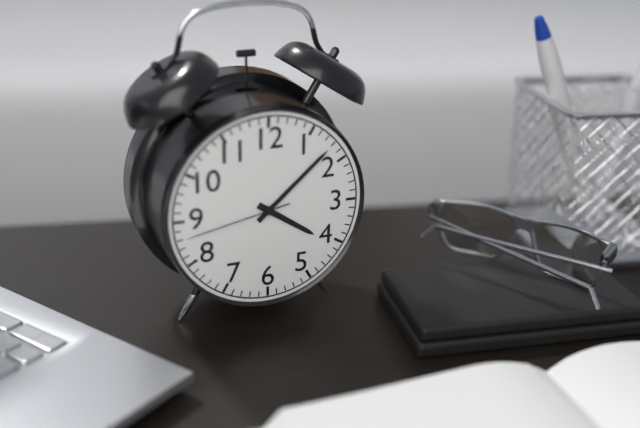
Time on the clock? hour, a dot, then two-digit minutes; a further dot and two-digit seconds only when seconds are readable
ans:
4.08.43
